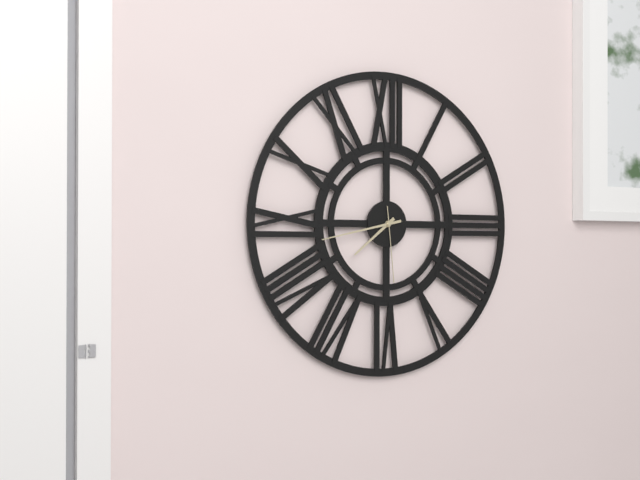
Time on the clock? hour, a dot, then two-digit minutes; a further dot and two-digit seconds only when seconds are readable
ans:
7.43.29
